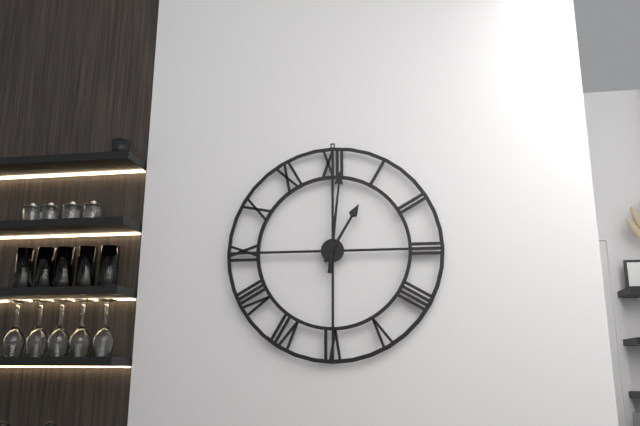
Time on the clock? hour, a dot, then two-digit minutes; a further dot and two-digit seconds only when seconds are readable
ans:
1.01
